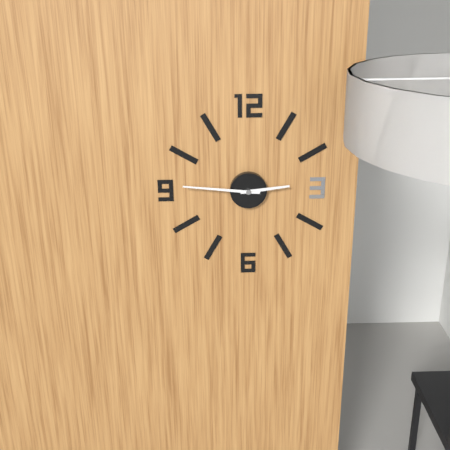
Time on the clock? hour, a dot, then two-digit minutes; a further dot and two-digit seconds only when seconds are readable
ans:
2.46
